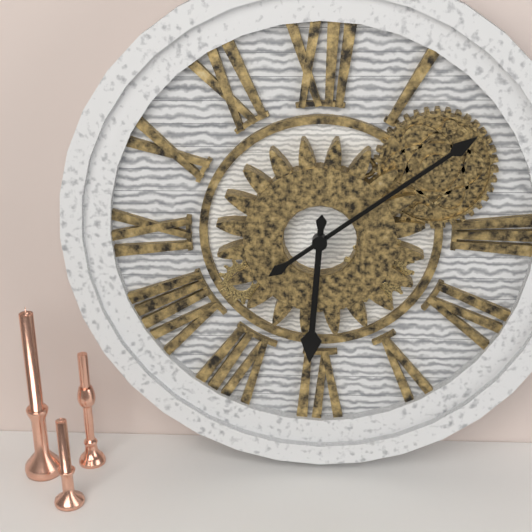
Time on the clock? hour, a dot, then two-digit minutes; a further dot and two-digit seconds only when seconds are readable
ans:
6.09
